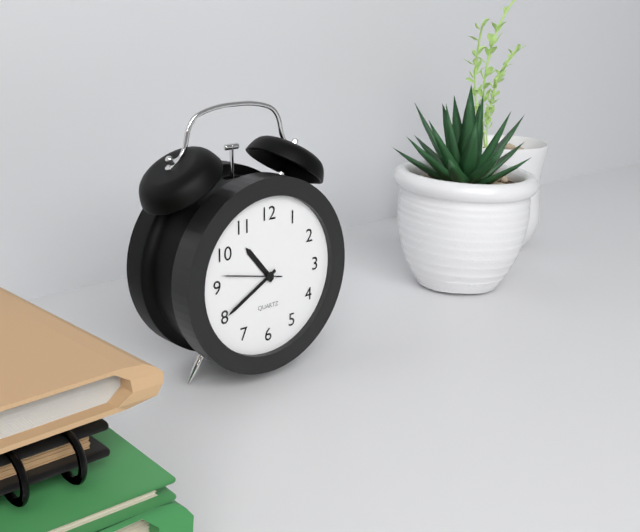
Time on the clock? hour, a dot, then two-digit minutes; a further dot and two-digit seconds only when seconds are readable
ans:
10.40.47
